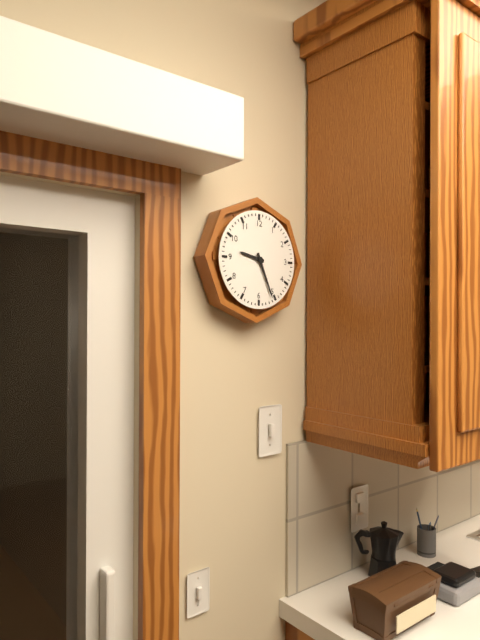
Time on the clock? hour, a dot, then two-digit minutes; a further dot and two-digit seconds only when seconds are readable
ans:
9.26
